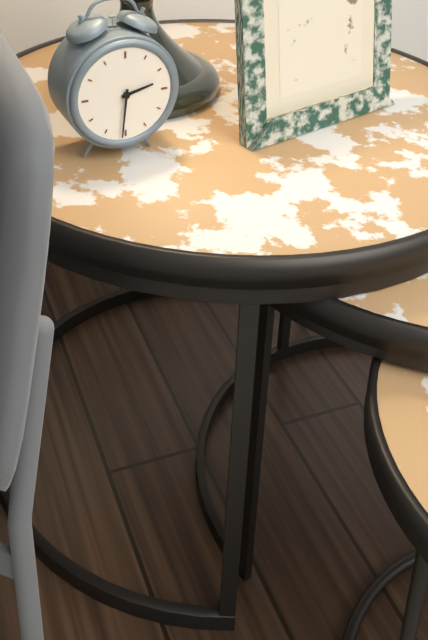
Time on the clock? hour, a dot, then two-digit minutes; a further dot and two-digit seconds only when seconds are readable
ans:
2.31
